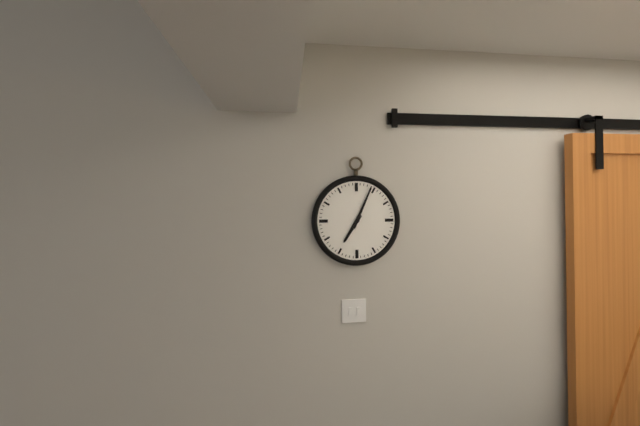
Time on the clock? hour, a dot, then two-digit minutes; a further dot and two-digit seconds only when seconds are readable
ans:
7.04
